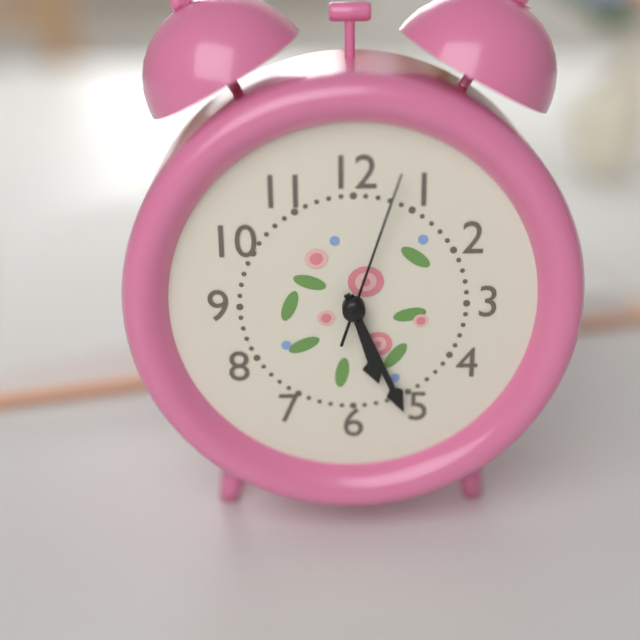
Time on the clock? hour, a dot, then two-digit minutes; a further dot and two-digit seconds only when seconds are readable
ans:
5.26.03
